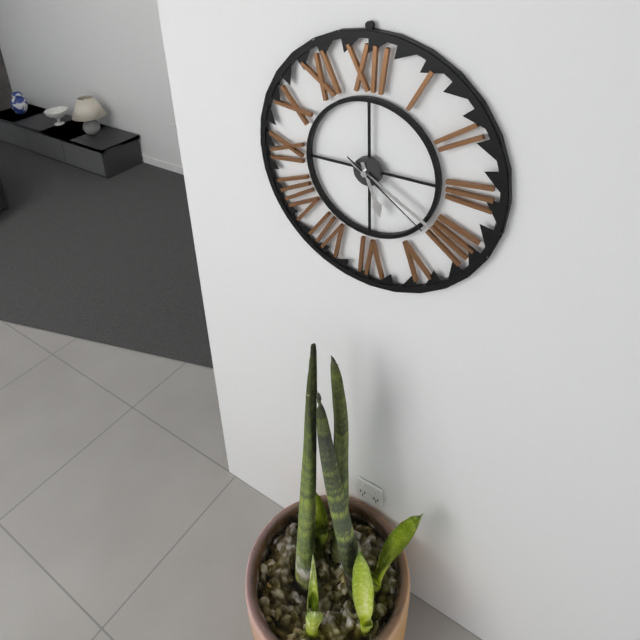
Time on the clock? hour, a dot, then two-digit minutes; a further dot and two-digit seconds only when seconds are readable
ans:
5.20.21
